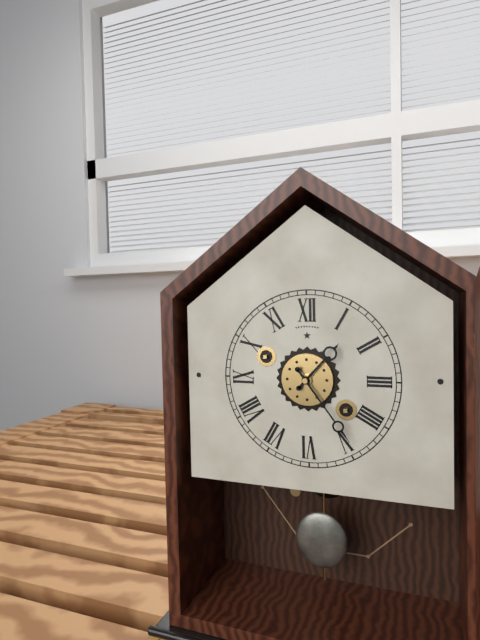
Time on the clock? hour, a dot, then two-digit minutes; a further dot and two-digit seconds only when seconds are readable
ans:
1.24
